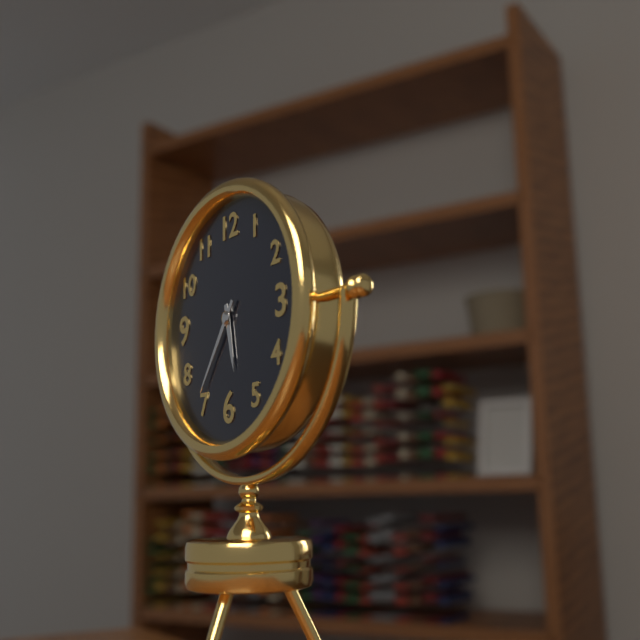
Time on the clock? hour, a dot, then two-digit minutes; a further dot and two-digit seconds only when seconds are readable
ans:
5.36
